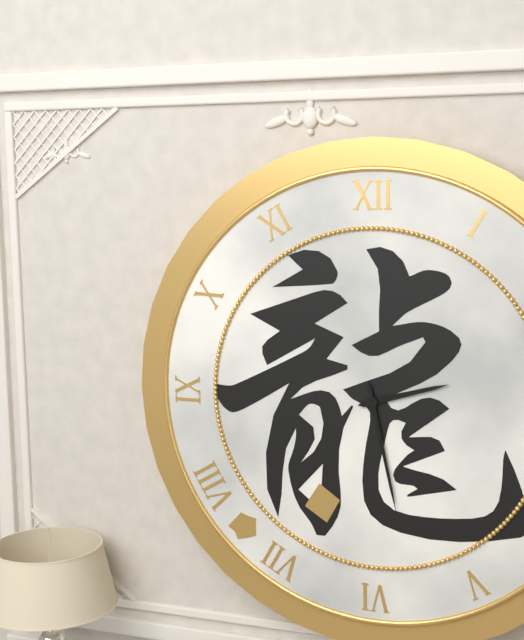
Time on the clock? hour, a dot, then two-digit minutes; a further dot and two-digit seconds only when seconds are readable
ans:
2.28
